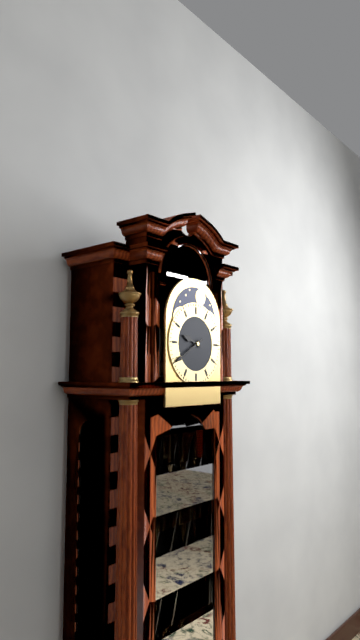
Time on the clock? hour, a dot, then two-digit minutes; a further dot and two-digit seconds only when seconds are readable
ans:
9.40
